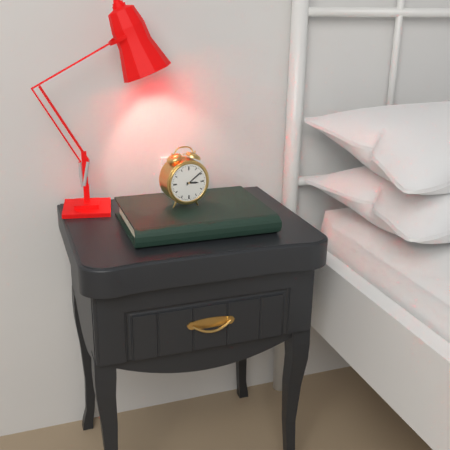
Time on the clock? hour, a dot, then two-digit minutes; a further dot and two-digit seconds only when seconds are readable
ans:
3.09
